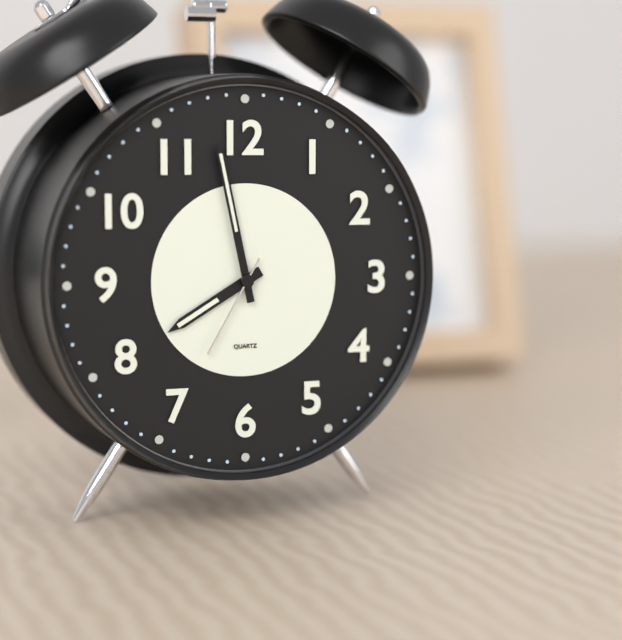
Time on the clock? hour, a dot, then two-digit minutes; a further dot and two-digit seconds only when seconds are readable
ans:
7.58.35
